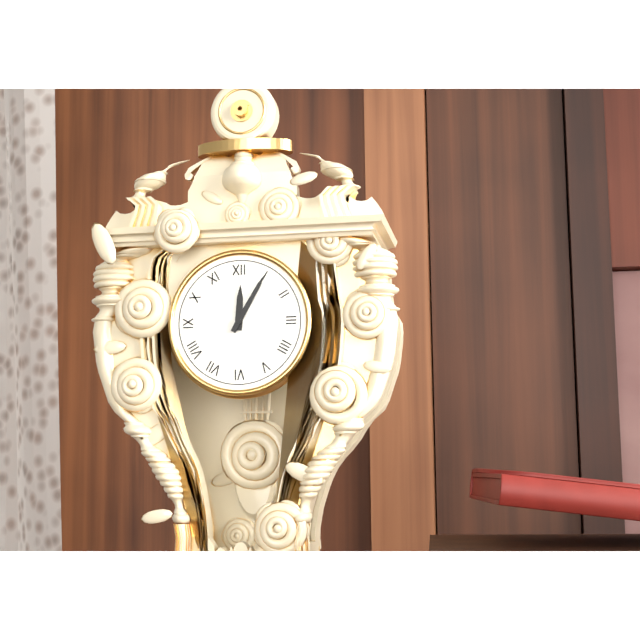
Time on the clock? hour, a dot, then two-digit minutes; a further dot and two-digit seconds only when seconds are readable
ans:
12.05
